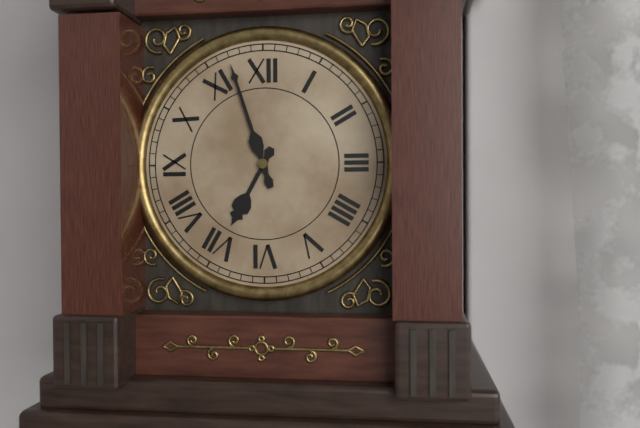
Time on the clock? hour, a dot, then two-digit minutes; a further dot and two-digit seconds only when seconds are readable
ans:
6.57
